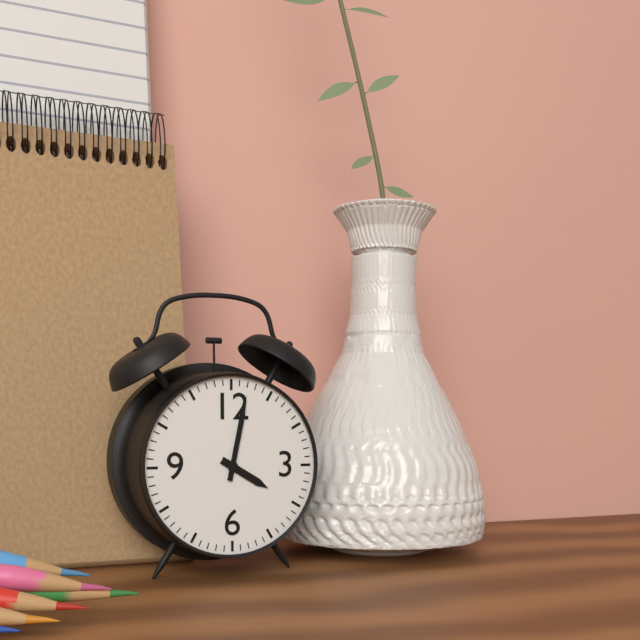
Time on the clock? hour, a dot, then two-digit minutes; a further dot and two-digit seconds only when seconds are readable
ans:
4.02
